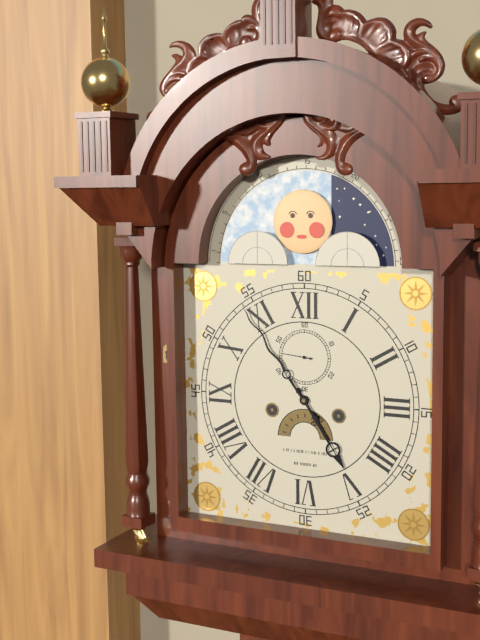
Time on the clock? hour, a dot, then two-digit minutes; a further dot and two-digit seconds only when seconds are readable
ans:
4.54
